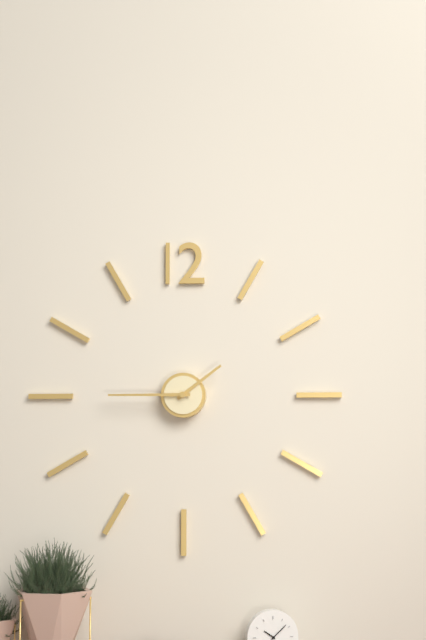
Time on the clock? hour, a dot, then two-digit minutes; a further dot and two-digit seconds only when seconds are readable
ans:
1.45
